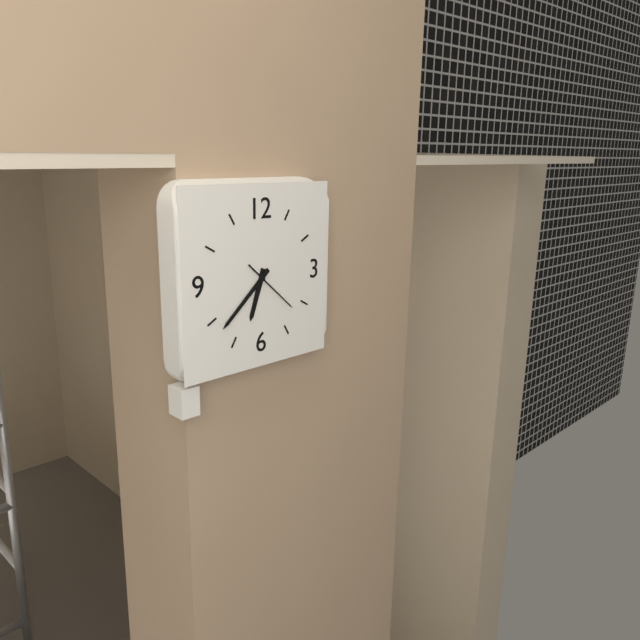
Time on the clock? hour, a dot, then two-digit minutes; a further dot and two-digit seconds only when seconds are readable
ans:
6.38.22
